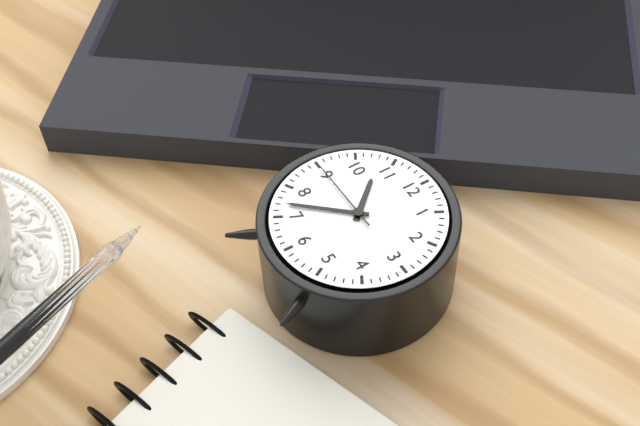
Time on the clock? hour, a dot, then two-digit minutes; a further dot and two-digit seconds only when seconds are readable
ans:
10.37.45
